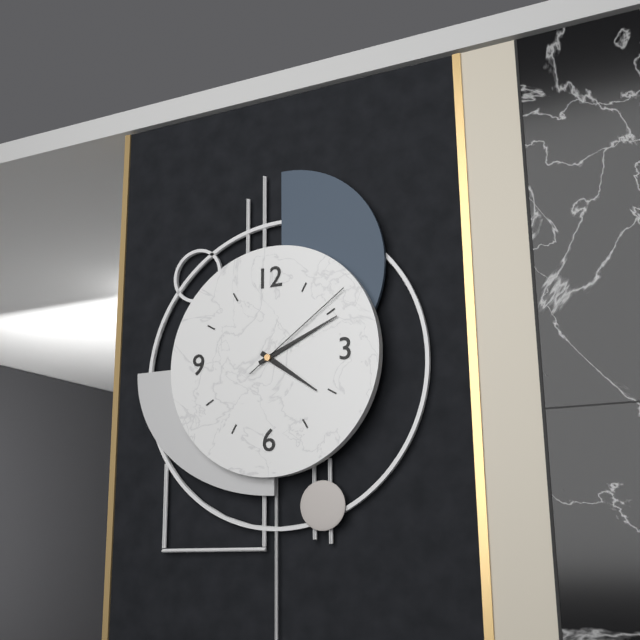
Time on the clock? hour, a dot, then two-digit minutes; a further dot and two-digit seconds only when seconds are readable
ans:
4.11.09
